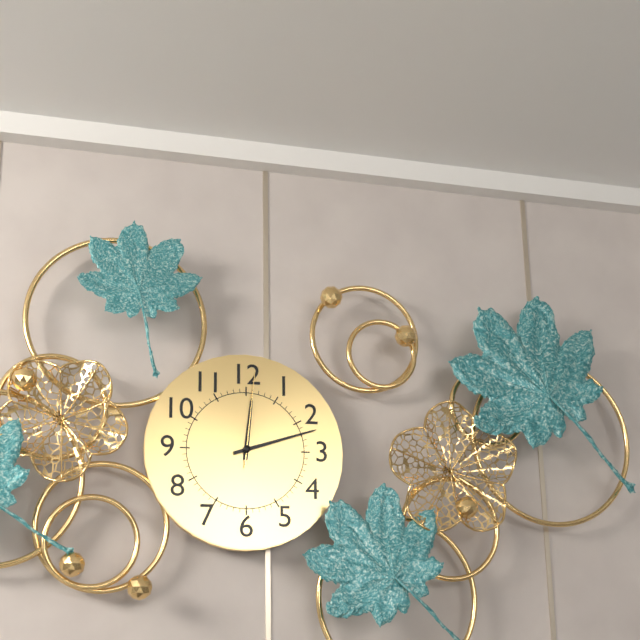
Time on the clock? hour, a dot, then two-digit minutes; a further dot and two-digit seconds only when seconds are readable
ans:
12.12.01
